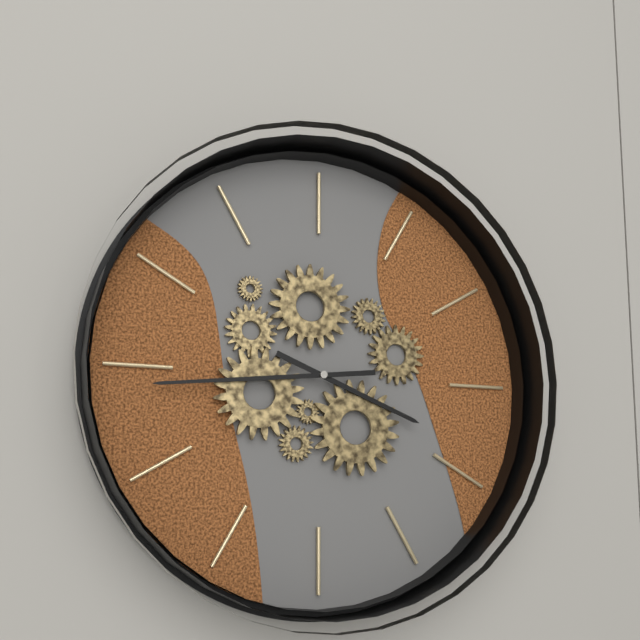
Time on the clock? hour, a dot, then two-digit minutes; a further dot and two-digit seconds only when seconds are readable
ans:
3.44
